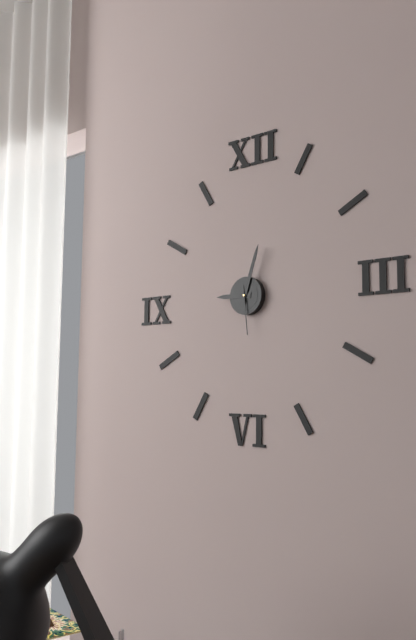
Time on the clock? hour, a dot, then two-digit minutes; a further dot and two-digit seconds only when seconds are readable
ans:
9.03
